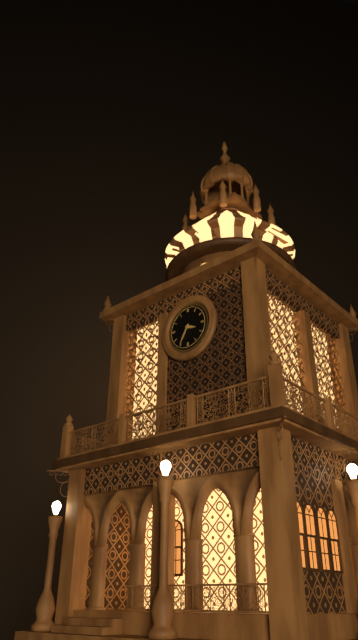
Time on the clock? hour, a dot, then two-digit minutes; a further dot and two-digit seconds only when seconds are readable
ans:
3.35
